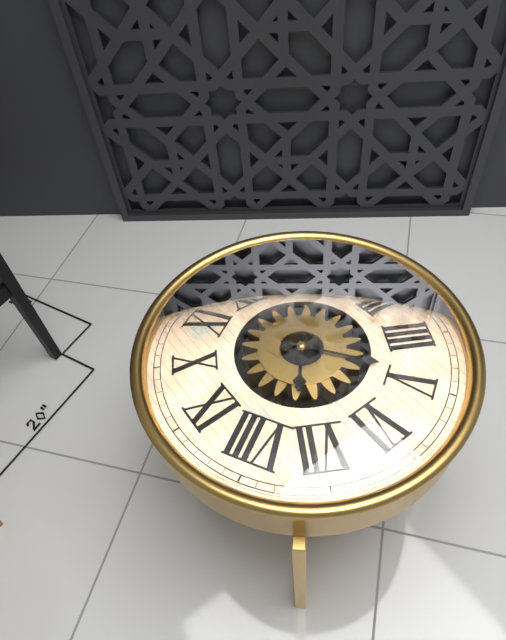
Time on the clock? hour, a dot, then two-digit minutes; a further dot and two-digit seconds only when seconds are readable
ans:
7.24
